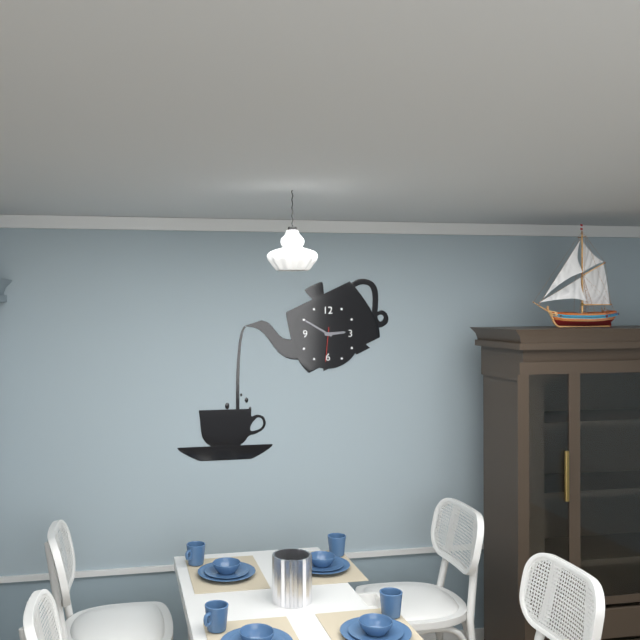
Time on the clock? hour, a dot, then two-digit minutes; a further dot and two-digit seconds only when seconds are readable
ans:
2.50
